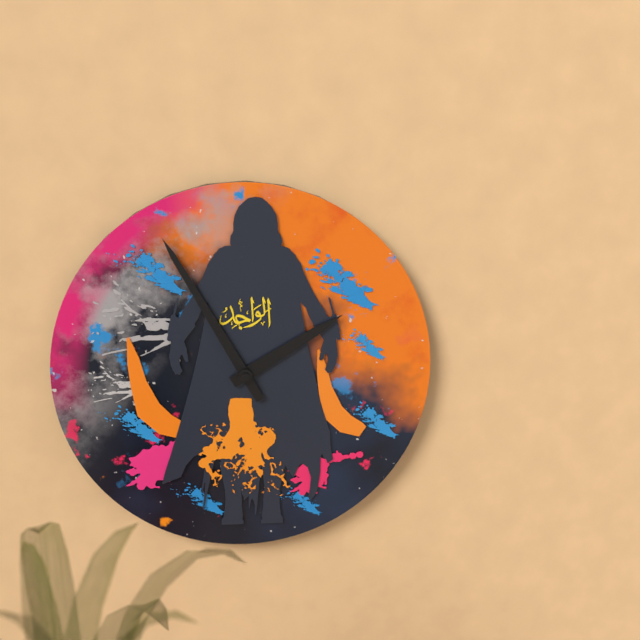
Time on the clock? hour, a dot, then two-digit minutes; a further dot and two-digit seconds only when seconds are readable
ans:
1.55
